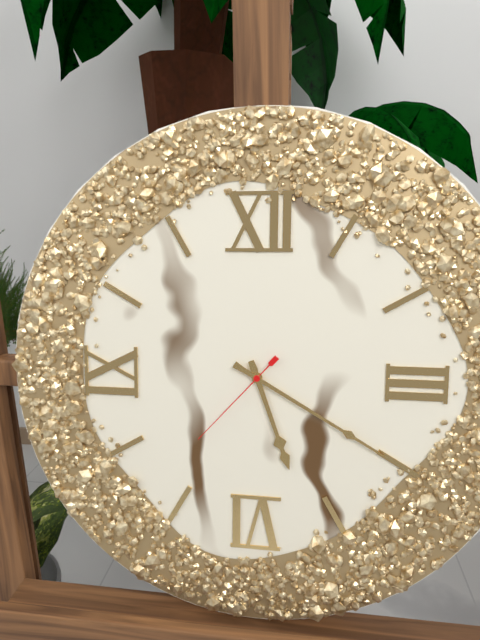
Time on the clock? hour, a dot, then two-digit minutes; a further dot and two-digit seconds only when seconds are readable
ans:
5.20.37
